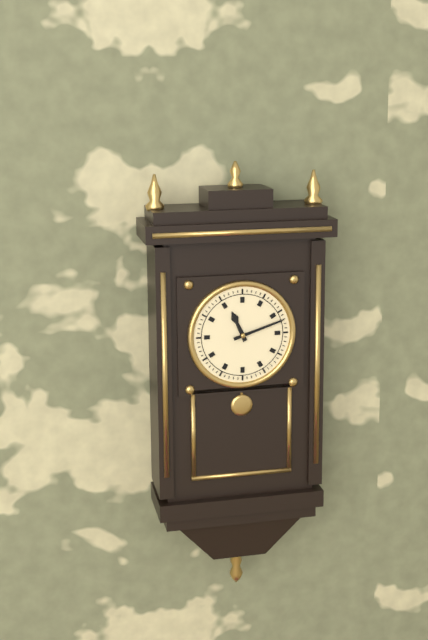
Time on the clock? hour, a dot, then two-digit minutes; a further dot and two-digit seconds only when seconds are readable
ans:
11.12
